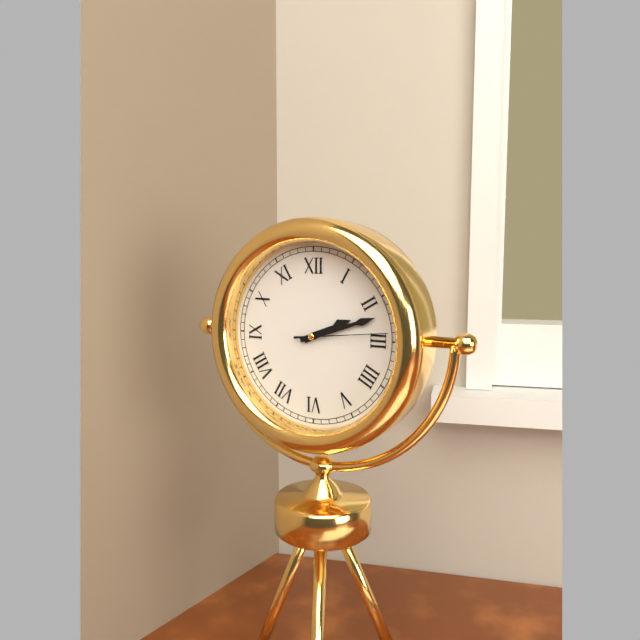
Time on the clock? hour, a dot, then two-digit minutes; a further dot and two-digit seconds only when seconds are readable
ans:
2.12.14
